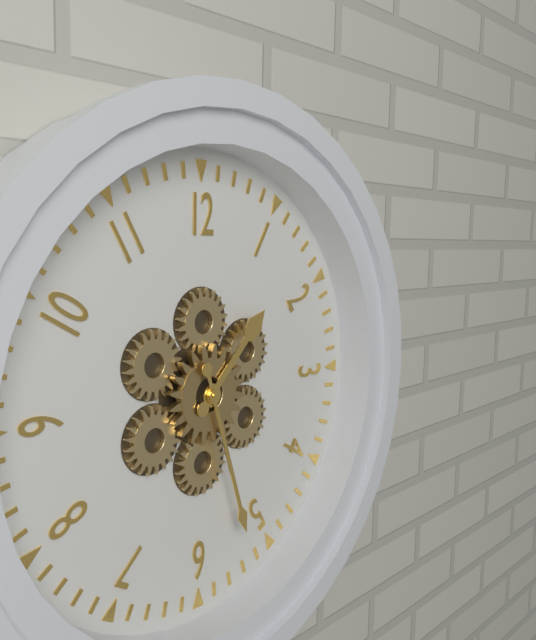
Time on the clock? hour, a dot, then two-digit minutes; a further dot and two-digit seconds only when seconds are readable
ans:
1.27
